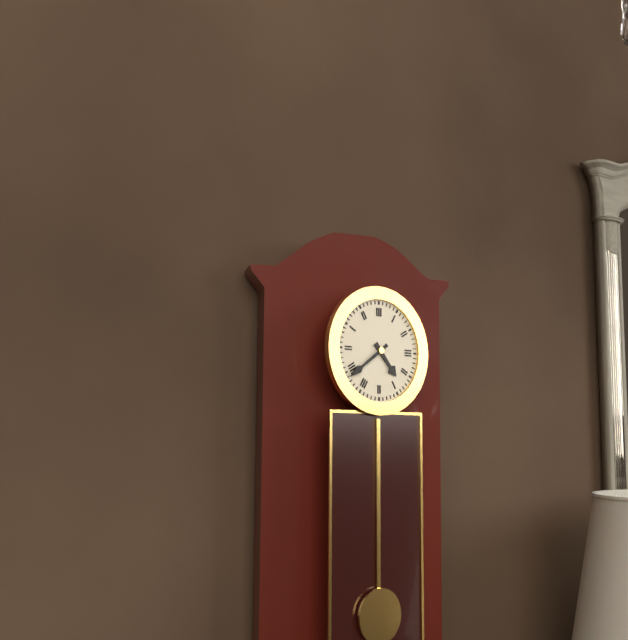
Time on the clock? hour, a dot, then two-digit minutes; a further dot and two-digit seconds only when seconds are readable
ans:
4.39
